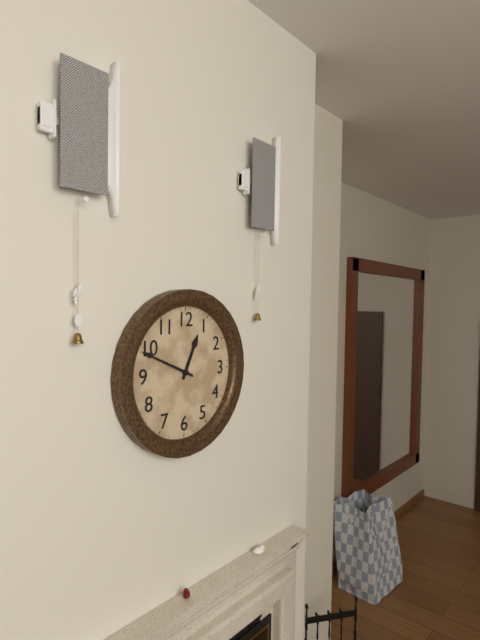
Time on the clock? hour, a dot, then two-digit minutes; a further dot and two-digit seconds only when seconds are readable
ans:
12.49
